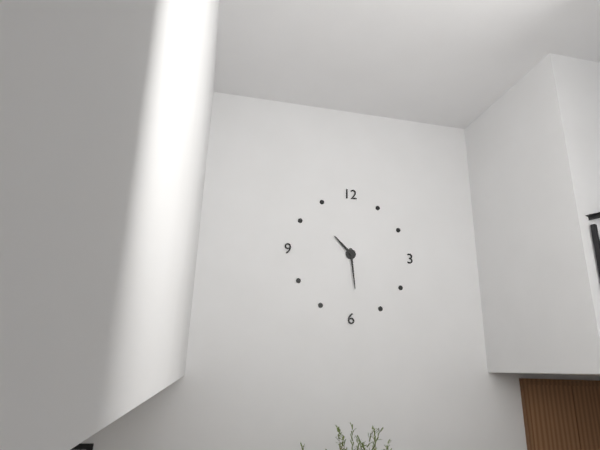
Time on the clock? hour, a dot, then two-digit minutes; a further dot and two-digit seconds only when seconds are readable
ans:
10.29
